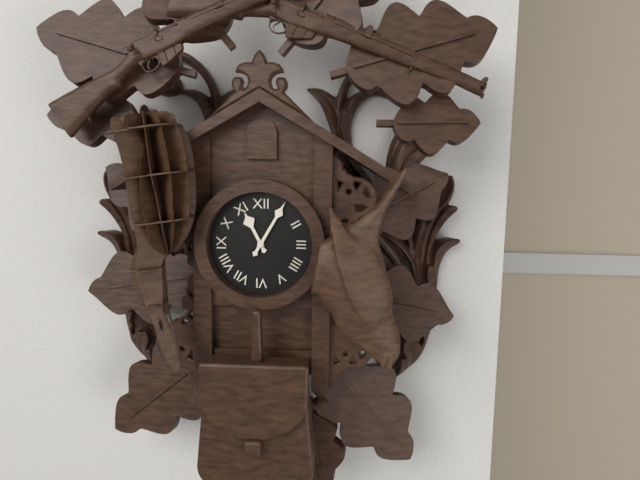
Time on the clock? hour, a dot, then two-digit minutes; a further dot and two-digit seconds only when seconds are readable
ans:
11.05
